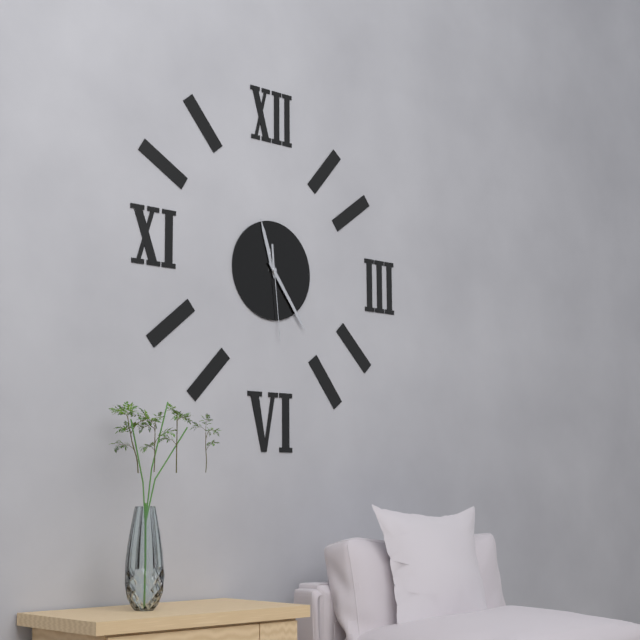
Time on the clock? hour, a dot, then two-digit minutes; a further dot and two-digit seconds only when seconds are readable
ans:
11.24.29
